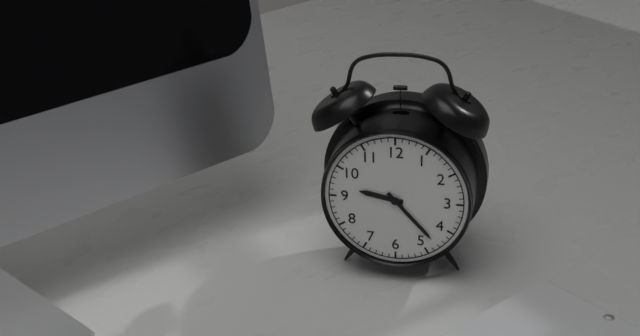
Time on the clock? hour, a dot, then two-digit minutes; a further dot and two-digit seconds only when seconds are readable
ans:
9.23
